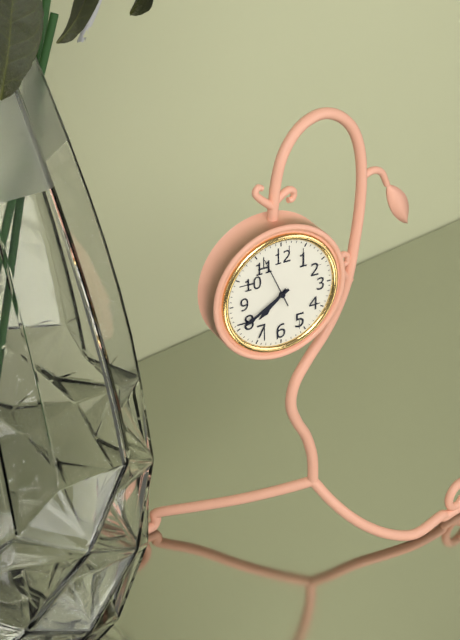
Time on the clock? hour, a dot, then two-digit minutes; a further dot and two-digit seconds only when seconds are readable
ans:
7.40.56
